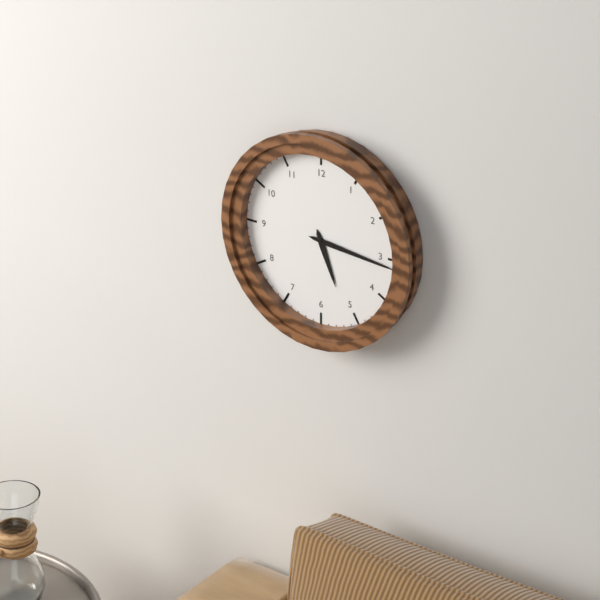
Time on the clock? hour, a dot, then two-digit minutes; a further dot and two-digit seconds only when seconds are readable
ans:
5.16
